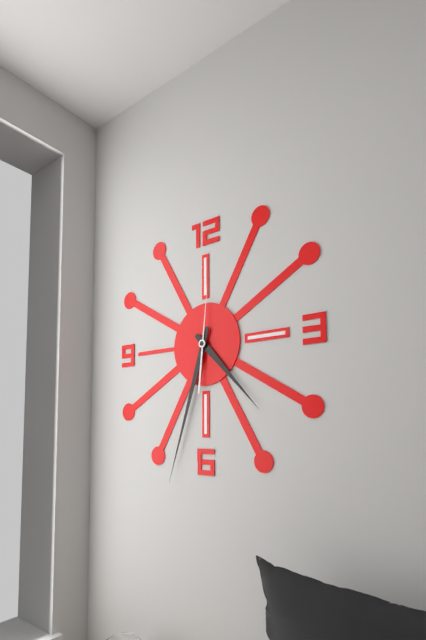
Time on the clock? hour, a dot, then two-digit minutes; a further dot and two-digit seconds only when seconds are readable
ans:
4.33.01
